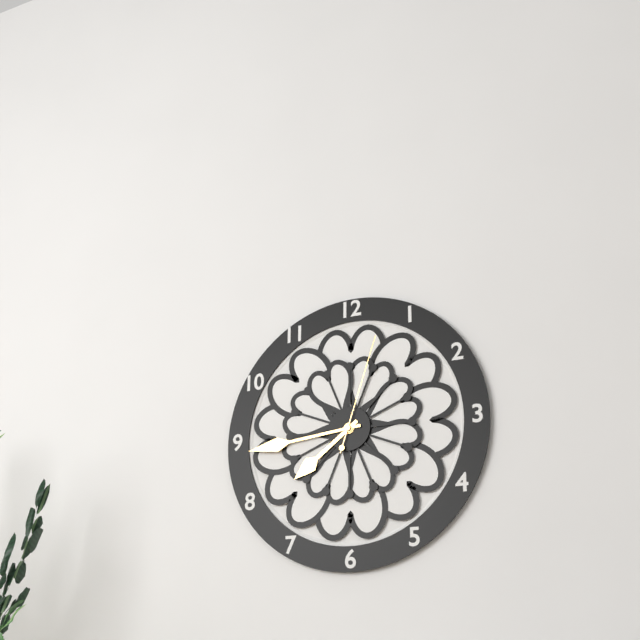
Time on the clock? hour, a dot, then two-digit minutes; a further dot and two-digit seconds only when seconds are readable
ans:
7.44.03
